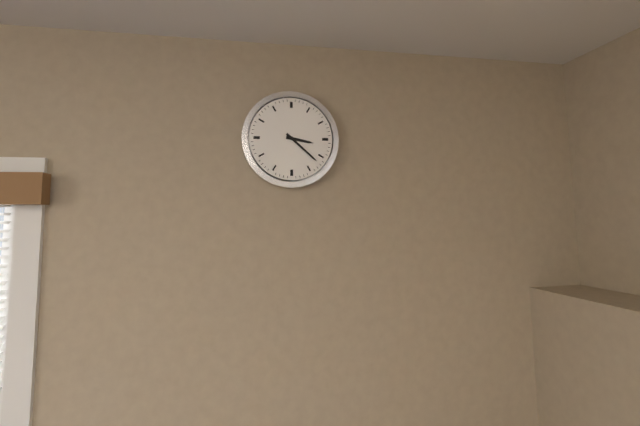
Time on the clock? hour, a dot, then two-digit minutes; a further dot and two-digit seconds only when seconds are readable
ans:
3.22
